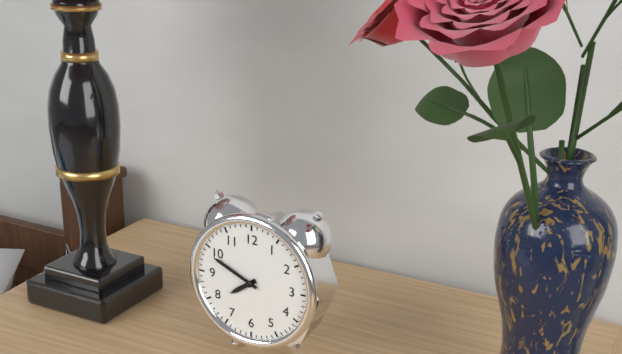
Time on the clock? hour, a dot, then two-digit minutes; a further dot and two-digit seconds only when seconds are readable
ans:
7.49
